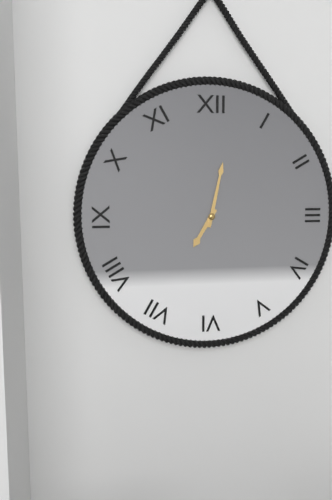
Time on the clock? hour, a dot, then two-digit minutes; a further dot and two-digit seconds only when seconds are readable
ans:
7.02
